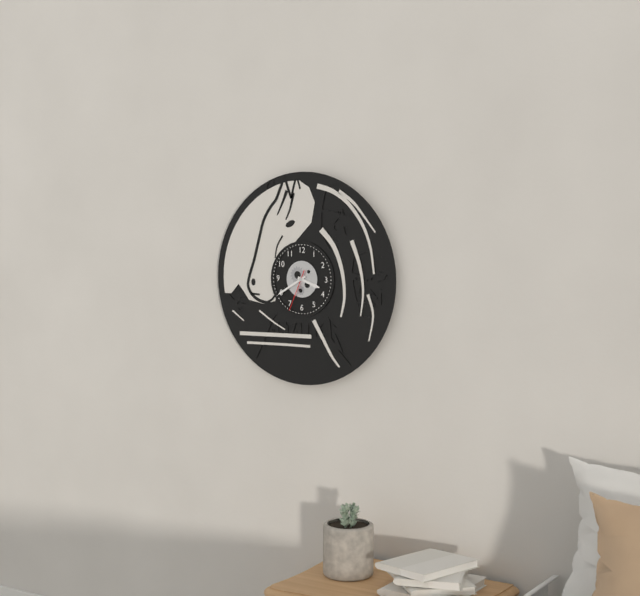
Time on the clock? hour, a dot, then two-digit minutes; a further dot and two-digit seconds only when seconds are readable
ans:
3.40
